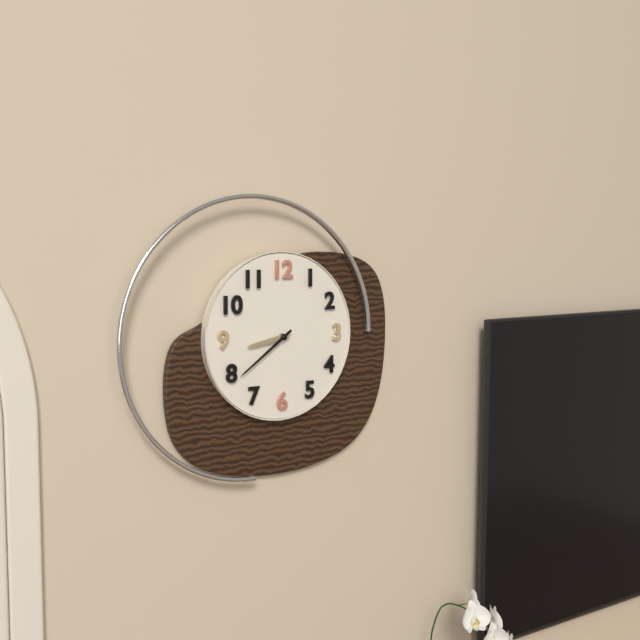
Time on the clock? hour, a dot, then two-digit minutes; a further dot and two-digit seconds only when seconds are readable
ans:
8.39
